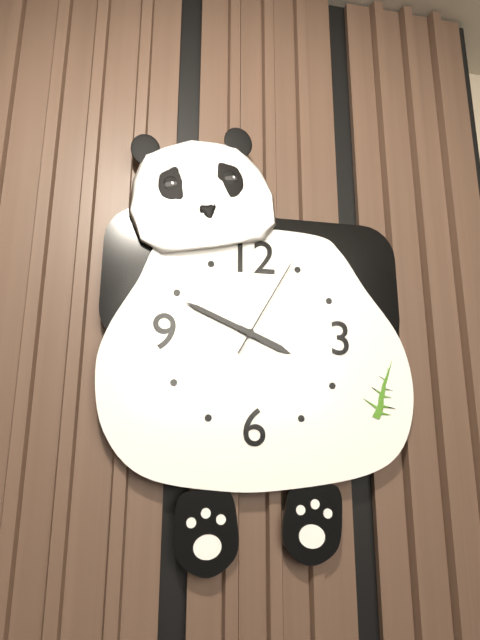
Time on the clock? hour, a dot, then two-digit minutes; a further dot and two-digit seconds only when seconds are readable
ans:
3.49.05
